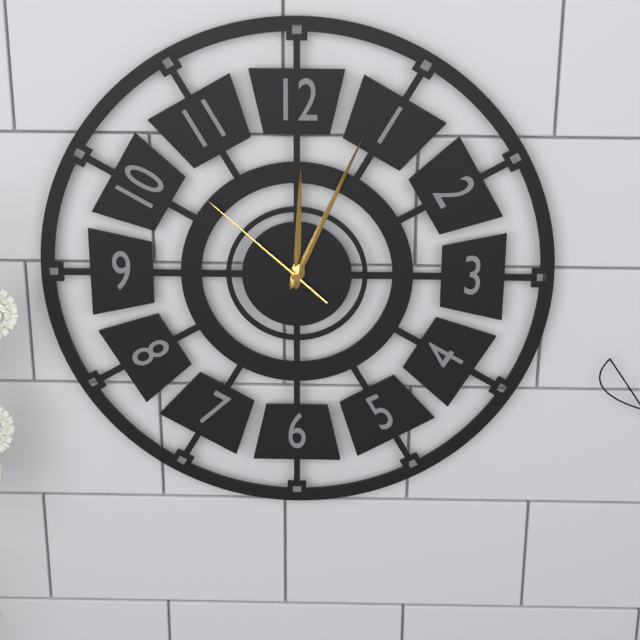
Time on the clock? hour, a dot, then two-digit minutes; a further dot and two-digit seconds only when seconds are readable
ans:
12.04.52
